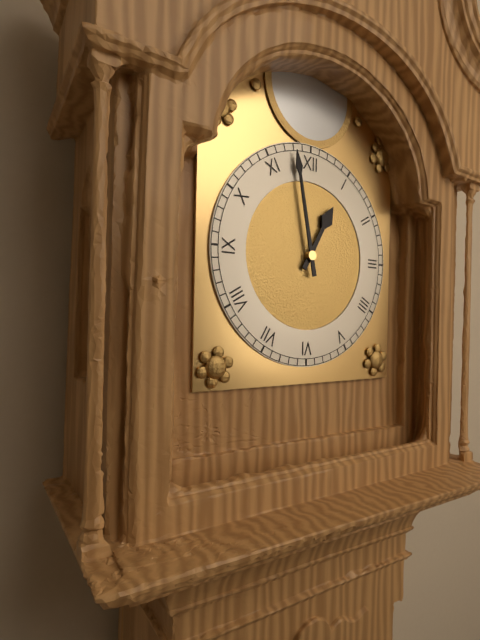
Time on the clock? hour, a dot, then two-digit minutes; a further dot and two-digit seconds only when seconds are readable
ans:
12.58
